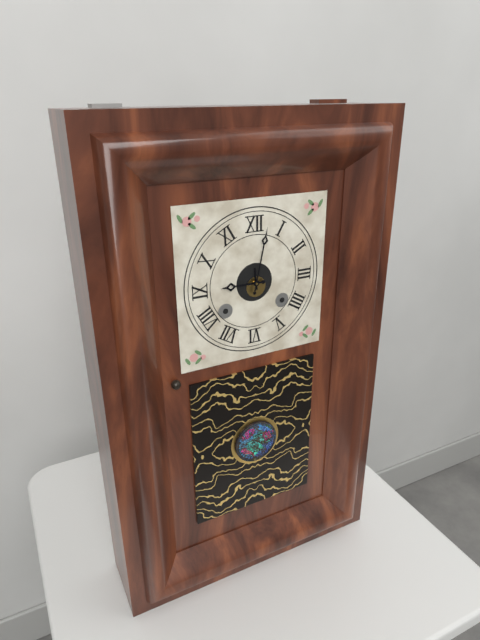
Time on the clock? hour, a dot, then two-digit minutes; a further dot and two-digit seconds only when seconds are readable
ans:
9.02
